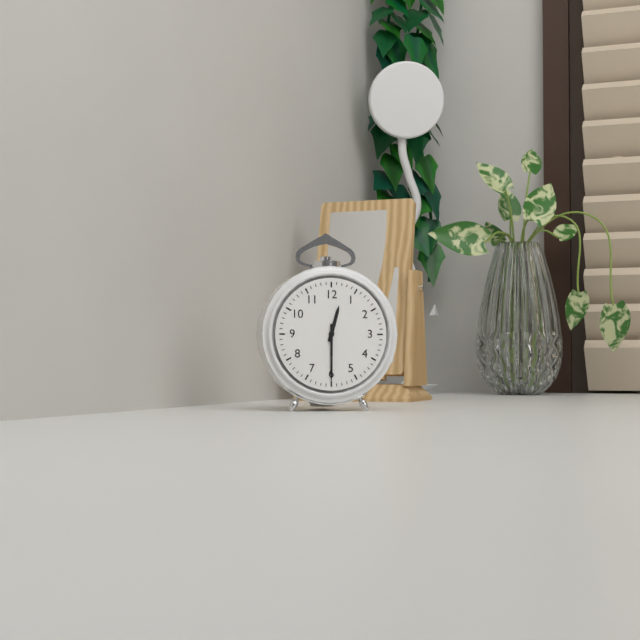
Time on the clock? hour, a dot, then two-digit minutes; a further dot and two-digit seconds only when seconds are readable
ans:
12.30
